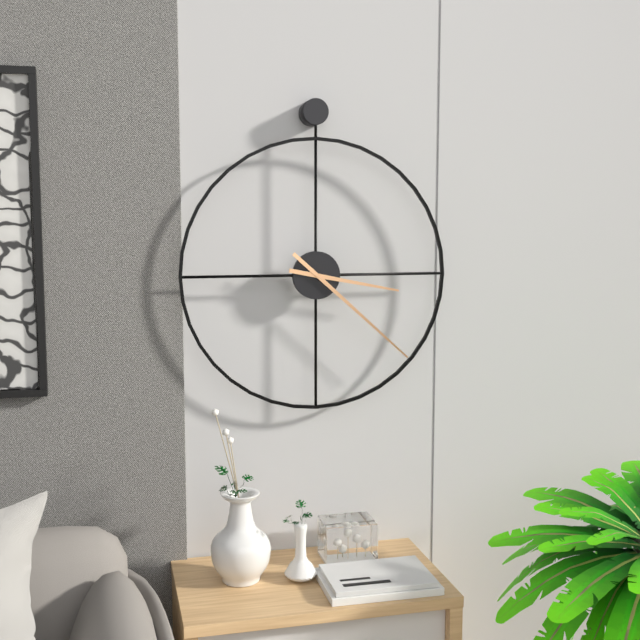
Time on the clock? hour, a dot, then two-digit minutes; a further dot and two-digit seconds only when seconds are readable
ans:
3.22
